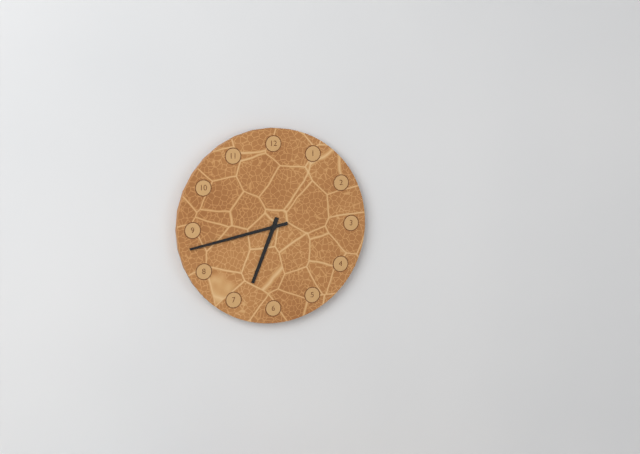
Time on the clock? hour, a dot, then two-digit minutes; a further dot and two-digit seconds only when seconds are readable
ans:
6.43
